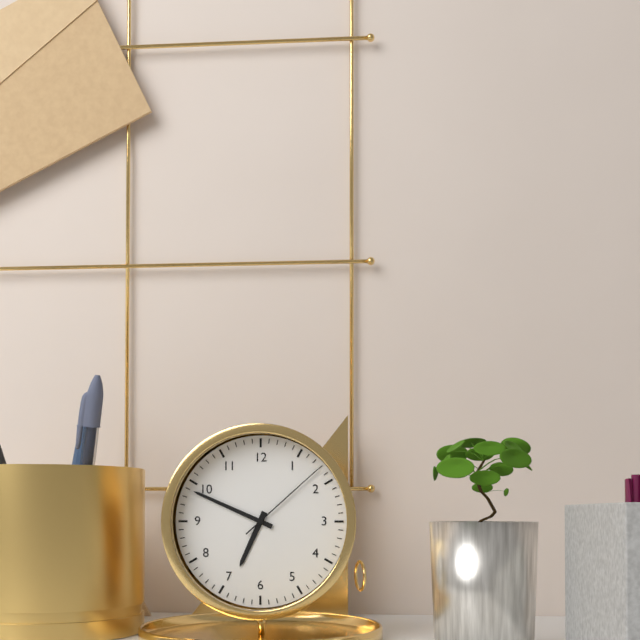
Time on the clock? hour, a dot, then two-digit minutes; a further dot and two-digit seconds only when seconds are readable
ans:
6.49.08
